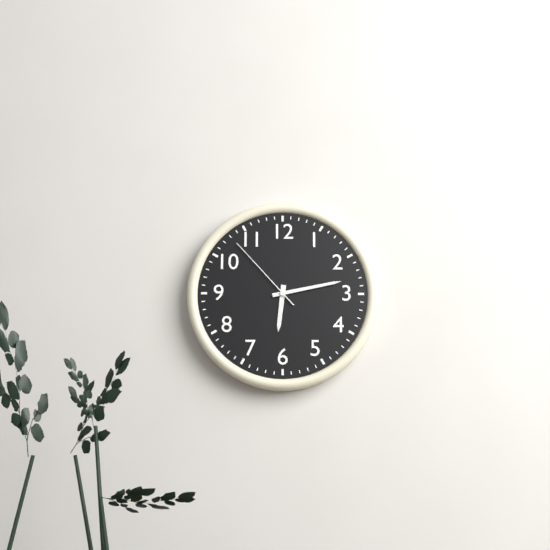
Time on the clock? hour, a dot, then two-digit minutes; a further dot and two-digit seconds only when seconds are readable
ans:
6.13.53
